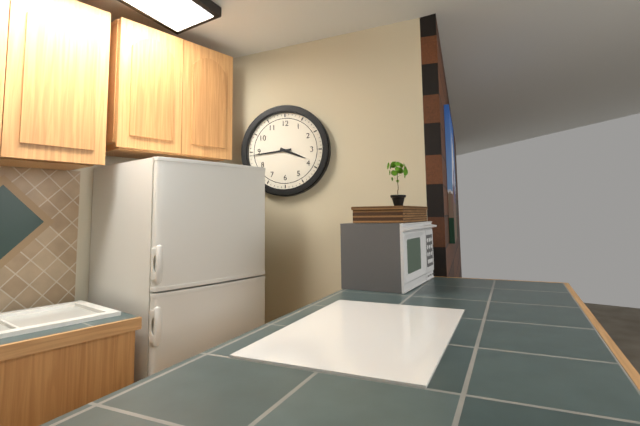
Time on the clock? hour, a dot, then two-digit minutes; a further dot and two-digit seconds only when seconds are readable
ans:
3.44
